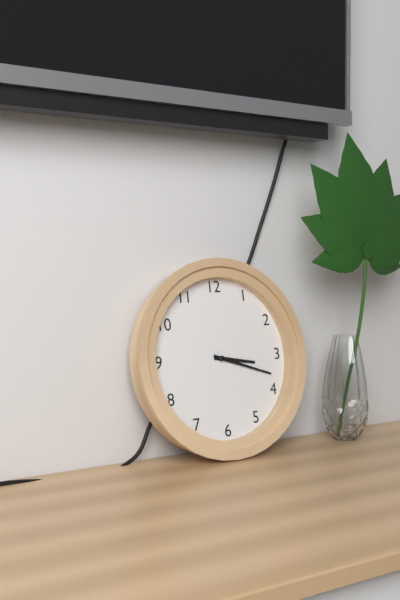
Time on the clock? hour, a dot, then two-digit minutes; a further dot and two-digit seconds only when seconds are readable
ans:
3.18
